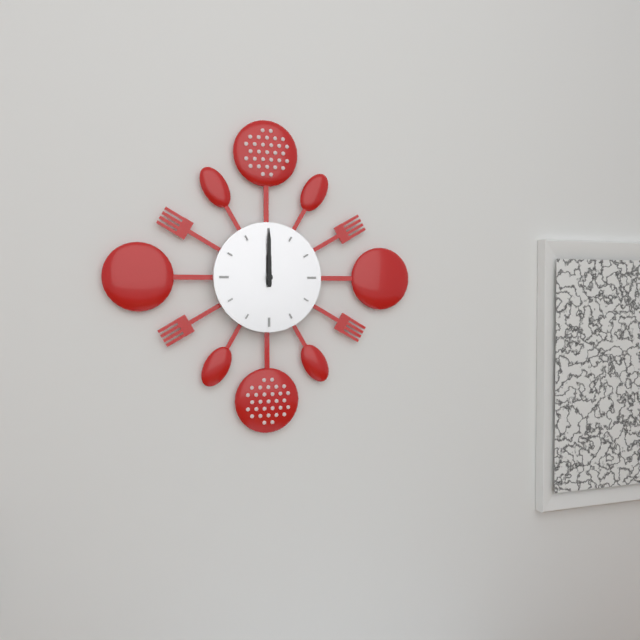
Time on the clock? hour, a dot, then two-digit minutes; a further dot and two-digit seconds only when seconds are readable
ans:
12.00
